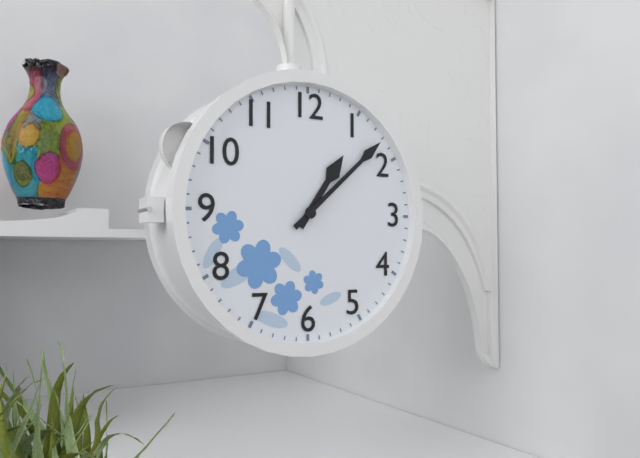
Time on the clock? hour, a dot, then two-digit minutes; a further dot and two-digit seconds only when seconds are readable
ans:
1.08
